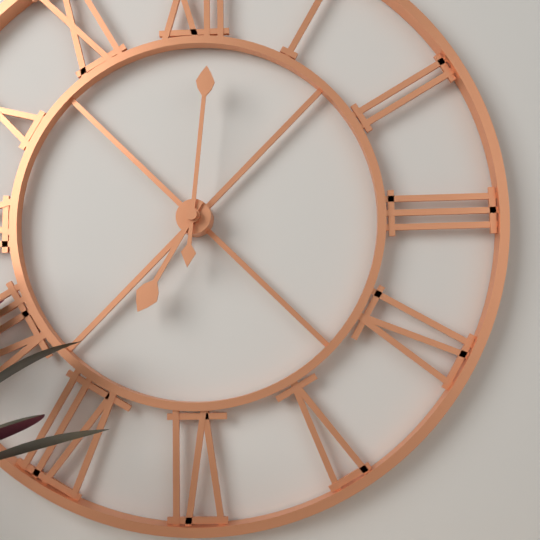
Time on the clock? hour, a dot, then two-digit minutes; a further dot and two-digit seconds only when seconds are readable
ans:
7.01
